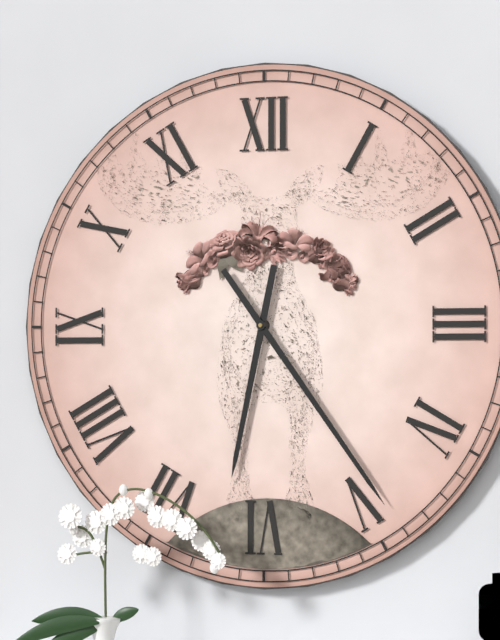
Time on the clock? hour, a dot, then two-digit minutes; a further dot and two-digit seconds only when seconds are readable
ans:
6.24
